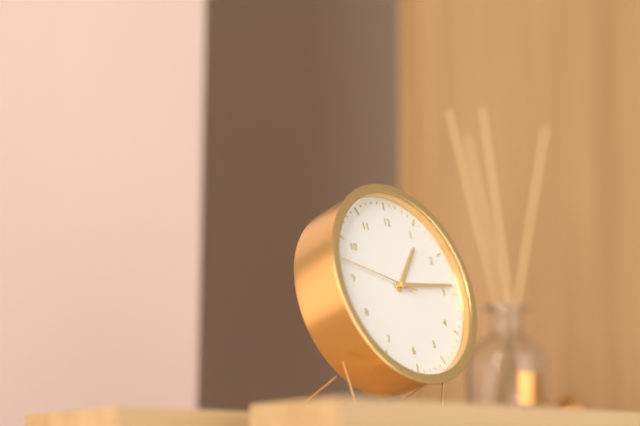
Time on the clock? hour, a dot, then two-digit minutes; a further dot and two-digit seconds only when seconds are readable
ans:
1.14.47
